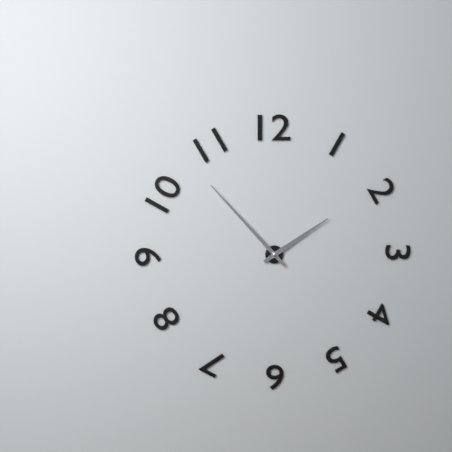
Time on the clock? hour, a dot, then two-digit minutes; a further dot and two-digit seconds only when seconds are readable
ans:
1.53
